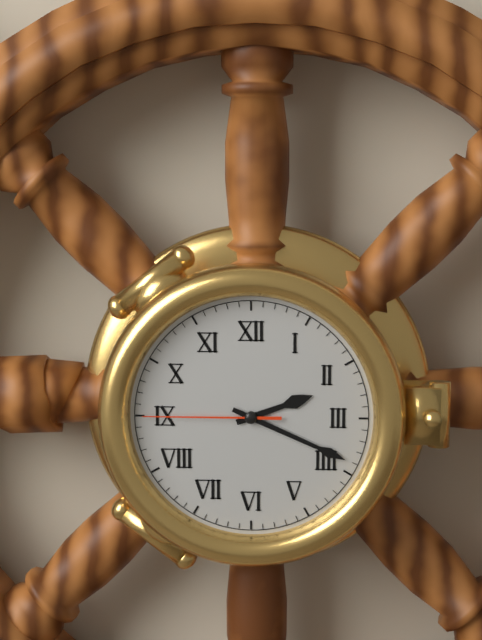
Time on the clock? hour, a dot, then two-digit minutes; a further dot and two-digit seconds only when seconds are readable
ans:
2.19.45
